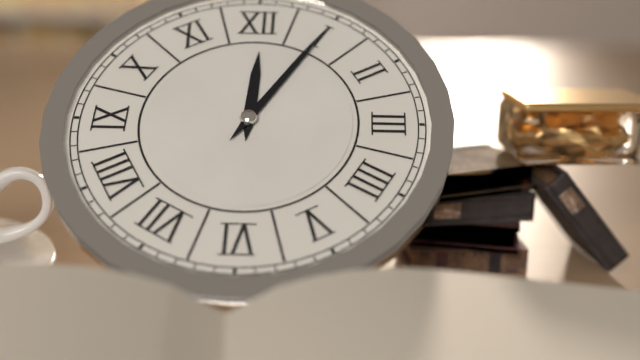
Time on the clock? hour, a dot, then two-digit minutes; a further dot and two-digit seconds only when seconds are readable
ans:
12.05
